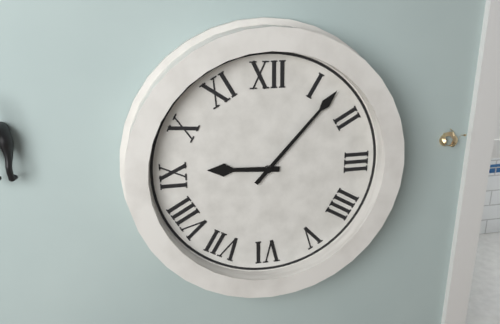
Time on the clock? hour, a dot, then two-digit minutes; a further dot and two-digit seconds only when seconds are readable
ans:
9.07
